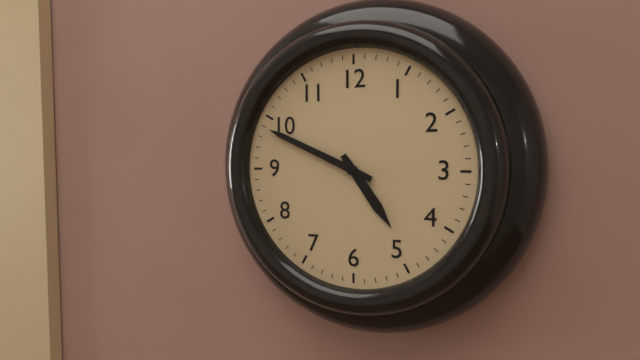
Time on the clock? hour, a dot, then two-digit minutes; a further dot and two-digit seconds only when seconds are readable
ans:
4.49
